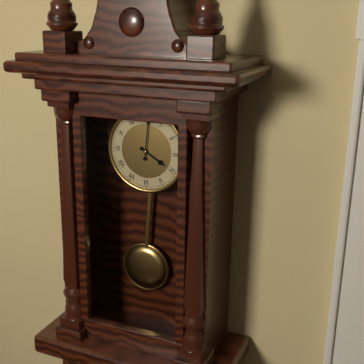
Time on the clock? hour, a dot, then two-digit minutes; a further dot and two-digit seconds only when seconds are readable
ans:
4.01
